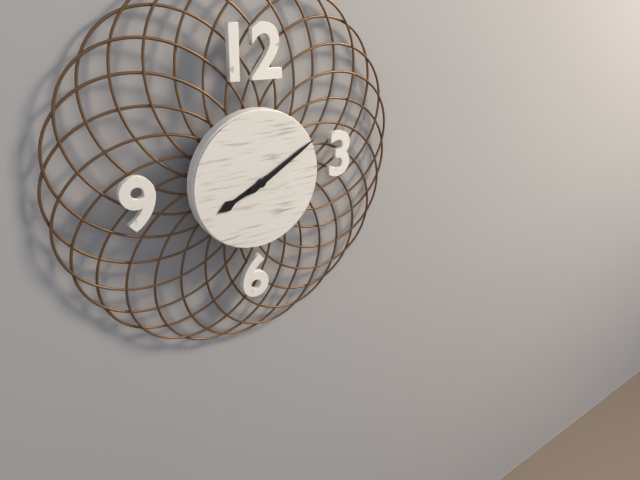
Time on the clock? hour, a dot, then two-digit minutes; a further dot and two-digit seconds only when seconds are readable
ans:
8.10
